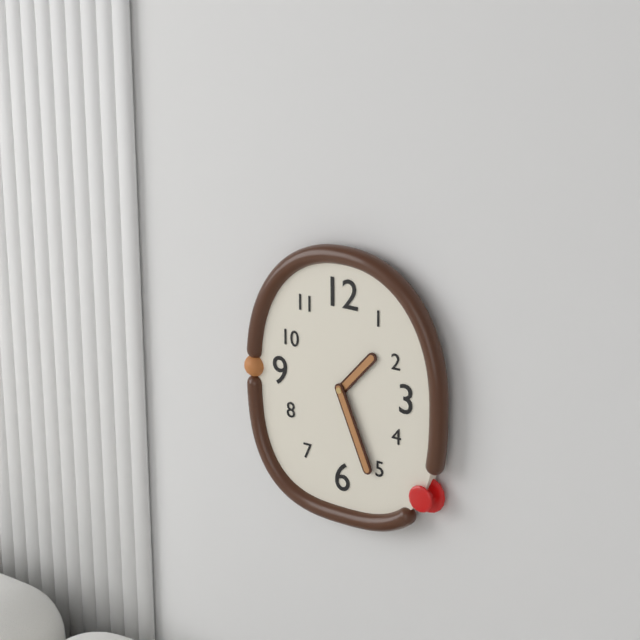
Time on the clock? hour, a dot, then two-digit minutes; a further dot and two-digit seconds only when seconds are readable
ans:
1.26
